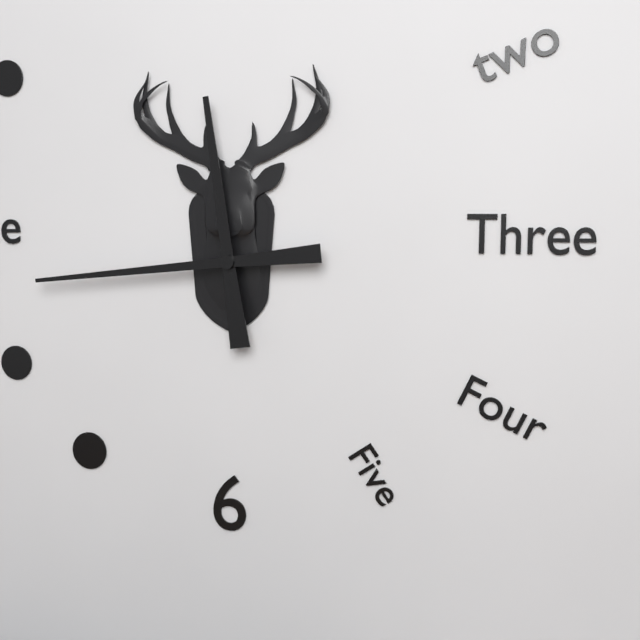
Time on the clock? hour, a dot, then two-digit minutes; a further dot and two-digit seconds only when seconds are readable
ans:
11.44
